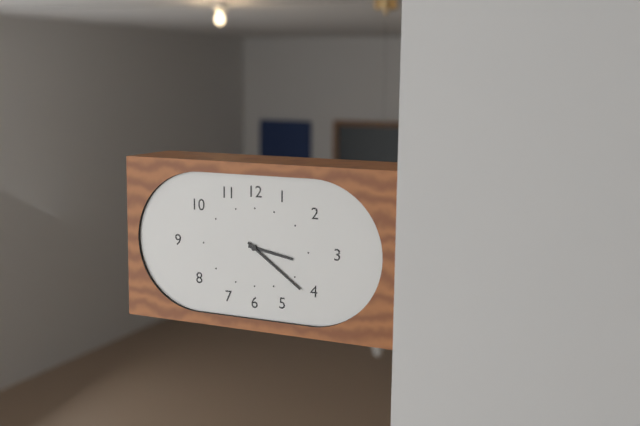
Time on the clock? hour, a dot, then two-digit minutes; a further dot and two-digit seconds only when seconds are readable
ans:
3.21
